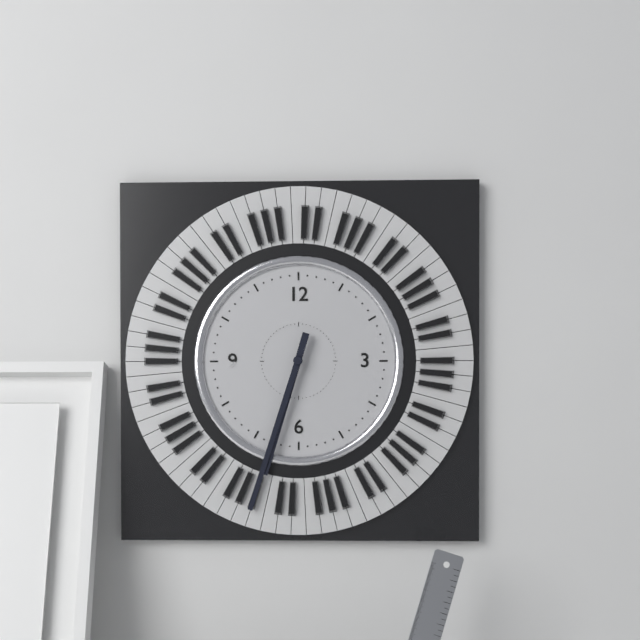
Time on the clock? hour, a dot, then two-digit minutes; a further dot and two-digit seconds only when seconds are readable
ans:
6.33
